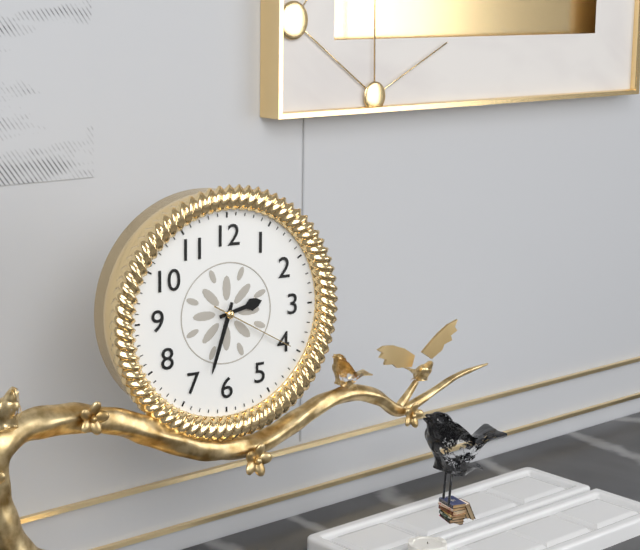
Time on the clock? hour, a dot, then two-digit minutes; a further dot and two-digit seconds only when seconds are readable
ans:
2.33.20
